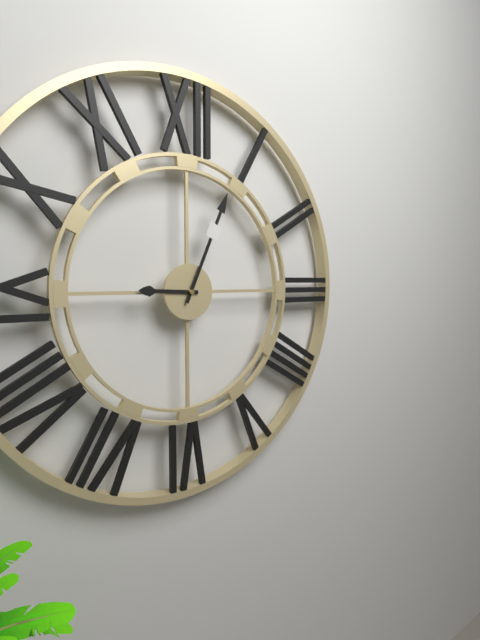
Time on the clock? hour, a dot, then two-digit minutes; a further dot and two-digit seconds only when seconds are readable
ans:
9.04
